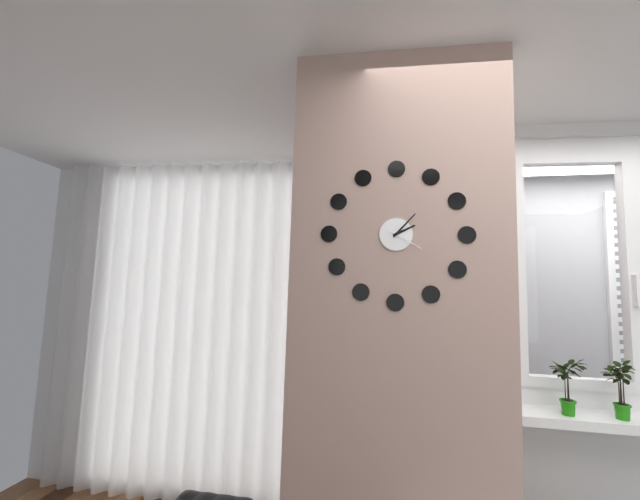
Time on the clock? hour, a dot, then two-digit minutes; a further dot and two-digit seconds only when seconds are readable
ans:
2.07
